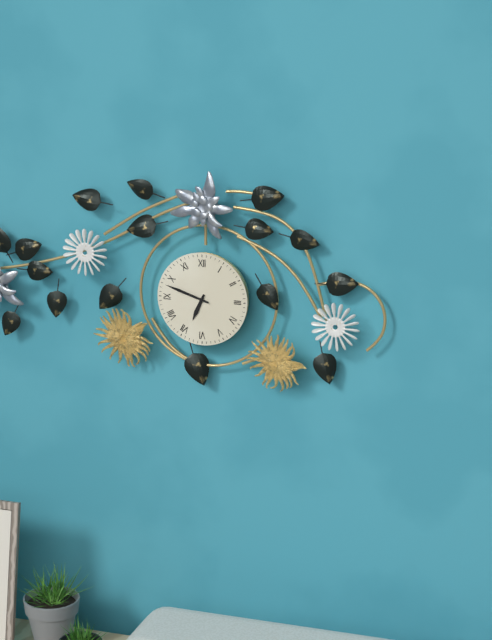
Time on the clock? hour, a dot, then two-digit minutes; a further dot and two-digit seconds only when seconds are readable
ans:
6.48
